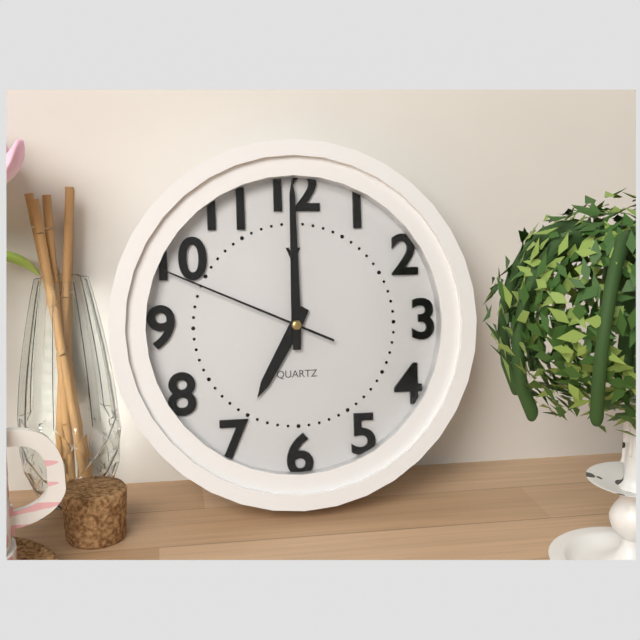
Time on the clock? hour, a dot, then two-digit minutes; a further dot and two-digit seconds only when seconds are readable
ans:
7.00.49
